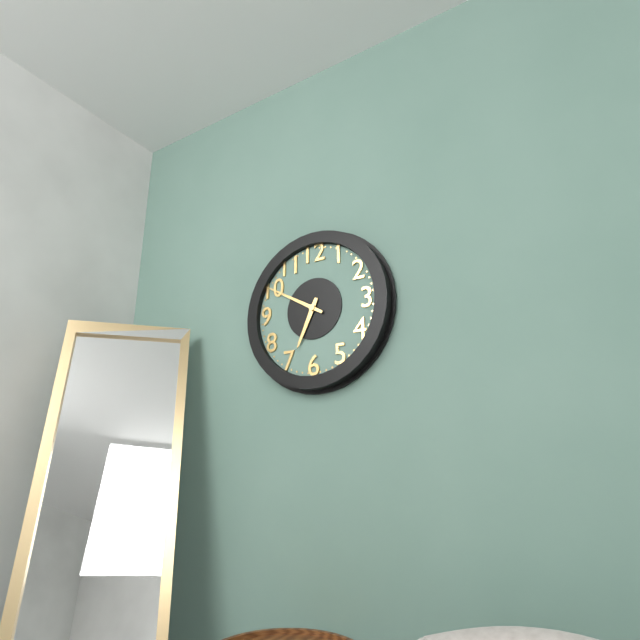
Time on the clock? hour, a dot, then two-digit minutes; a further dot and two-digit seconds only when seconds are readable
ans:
6.50
